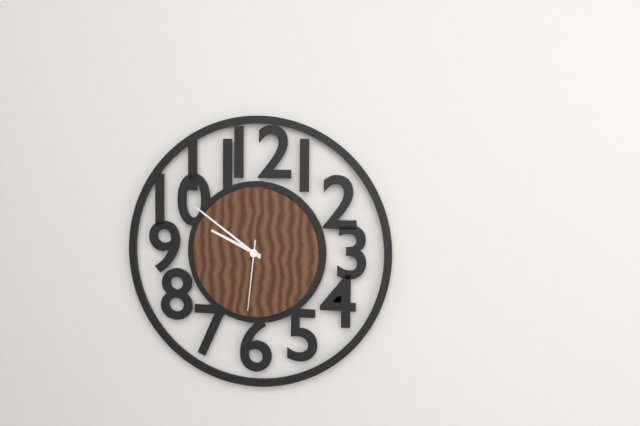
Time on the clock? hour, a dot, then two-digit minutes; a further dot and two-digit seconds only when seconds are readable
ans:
9.51.31
